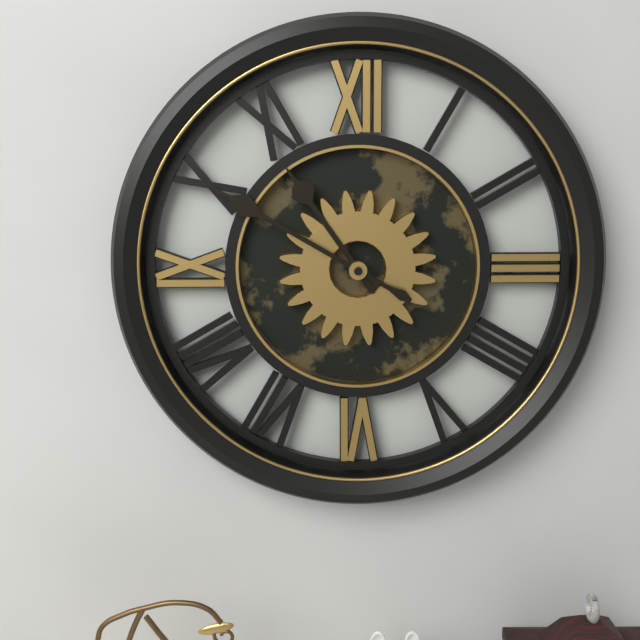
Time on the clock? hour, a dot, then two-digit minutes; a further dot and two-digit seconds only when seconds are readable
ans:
10.50
